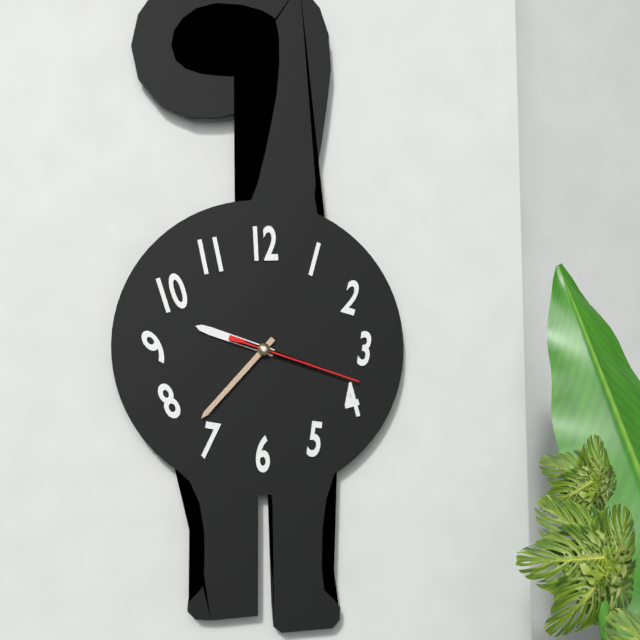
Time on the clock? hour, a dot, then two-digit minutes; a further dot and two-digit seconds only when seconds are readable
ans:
9.37.18
